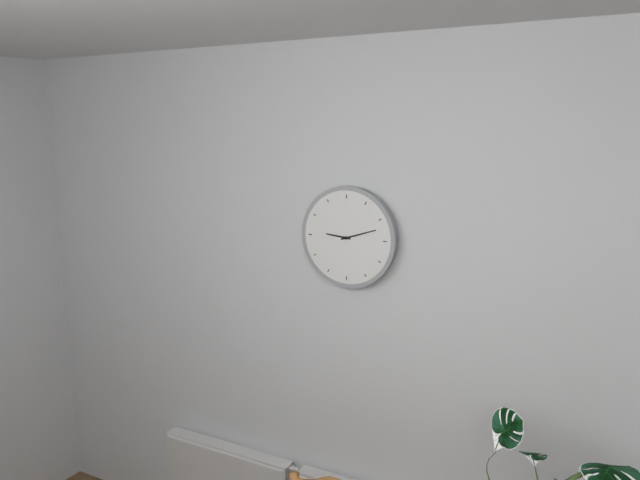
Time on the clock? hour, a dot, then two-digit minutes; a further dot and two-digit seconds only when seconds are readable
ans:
9.12
